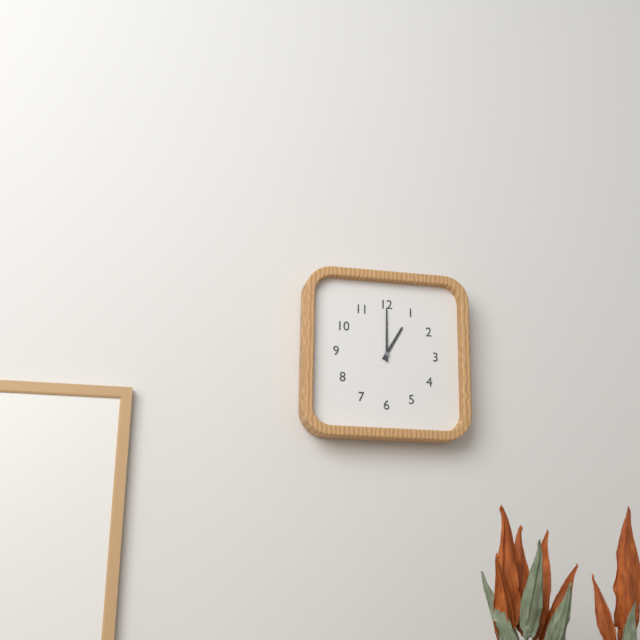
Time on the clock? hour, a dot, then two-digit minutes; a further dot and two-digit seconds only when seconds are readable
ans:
1.00
